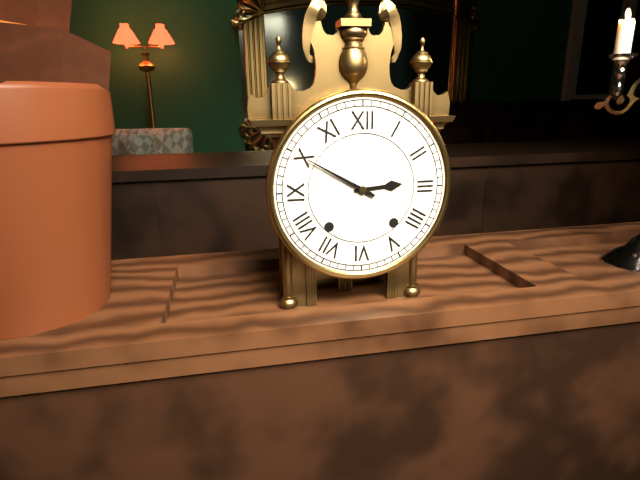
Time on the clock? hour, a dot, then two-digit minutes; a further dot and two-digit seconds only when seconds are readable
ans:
2.50
